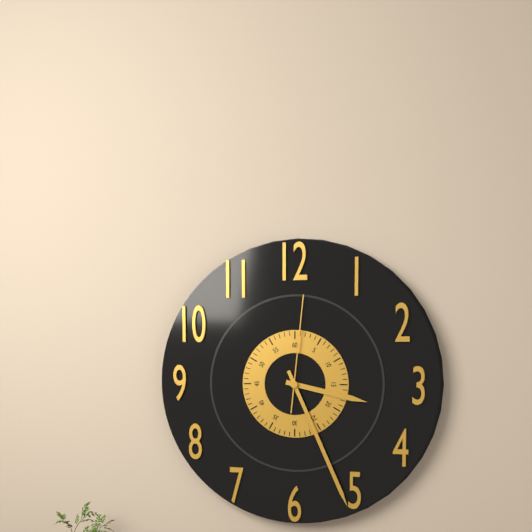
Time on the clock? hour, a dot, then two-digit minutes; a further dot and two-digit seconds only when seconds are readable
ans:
3.26.01
